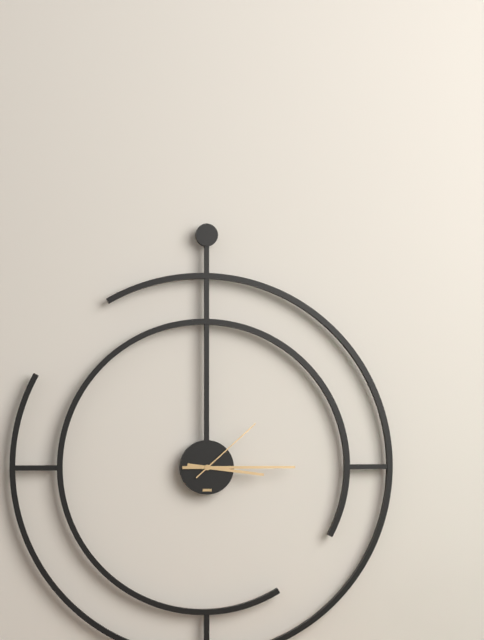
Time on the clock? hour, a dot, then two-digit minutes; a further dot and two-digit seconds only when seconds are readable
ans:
3.15.08
